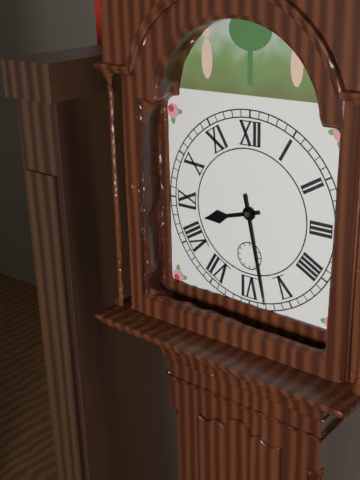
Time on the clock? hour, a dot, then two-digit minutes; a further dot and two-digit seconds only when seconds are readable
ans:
8.28
